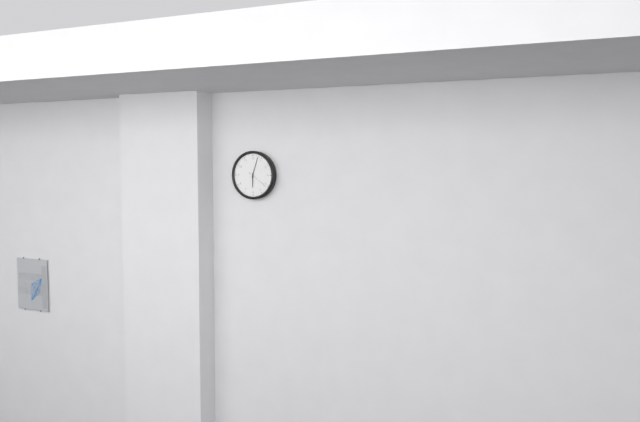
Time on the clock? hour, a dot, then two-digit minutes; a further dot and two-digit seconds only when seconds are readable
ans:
6.03
